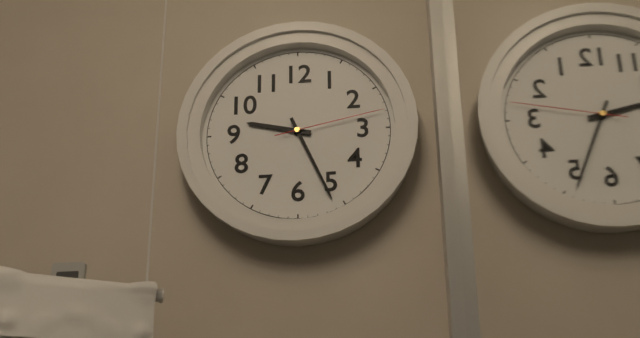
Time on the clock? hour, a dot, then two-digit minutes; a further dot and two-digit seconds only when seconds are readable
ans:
9.26.13
